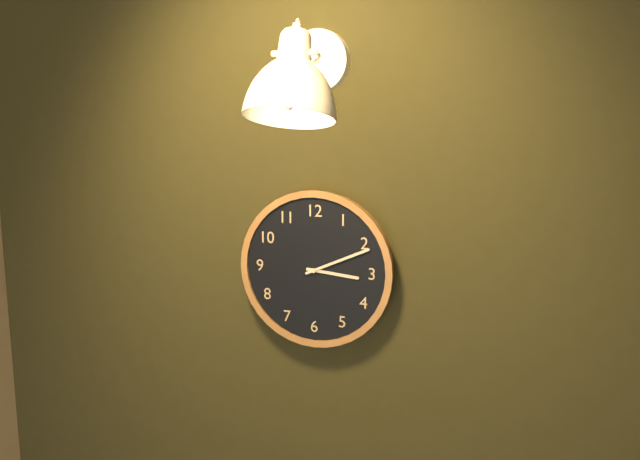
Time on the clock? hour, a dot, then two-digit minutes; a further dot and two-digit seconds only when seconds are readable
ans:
3.11
